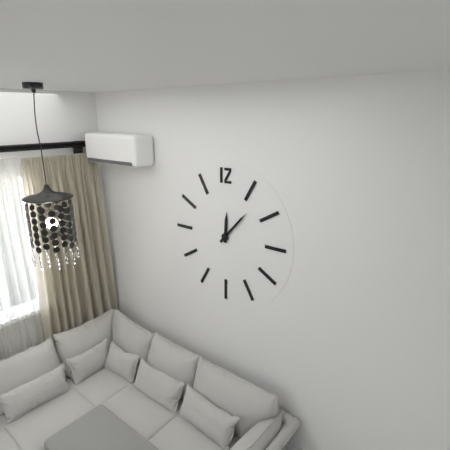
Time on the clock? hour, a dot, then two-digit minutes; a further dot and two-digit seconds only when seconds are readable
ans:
12.07
